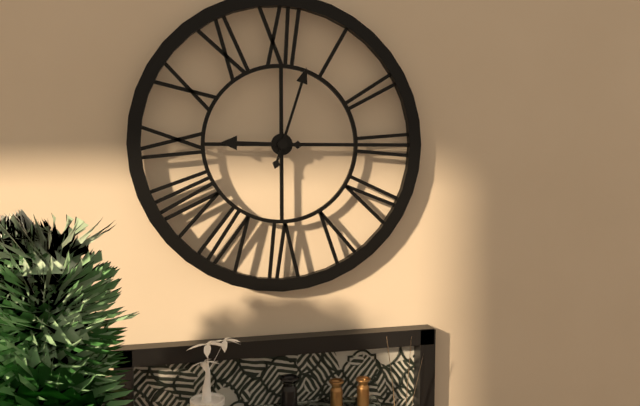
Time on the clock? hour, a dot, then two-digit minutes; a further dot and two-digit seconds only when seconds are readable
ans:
9.03
